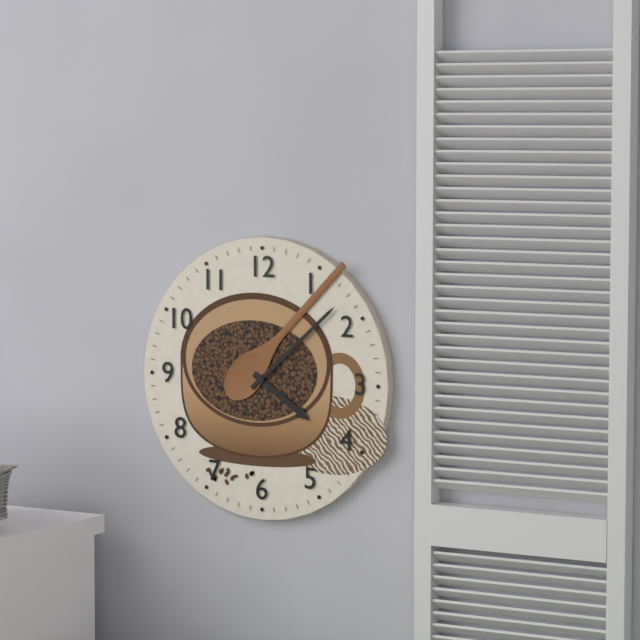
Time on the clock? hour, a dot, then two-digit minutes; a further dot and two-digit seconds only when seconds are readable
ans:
4.08
